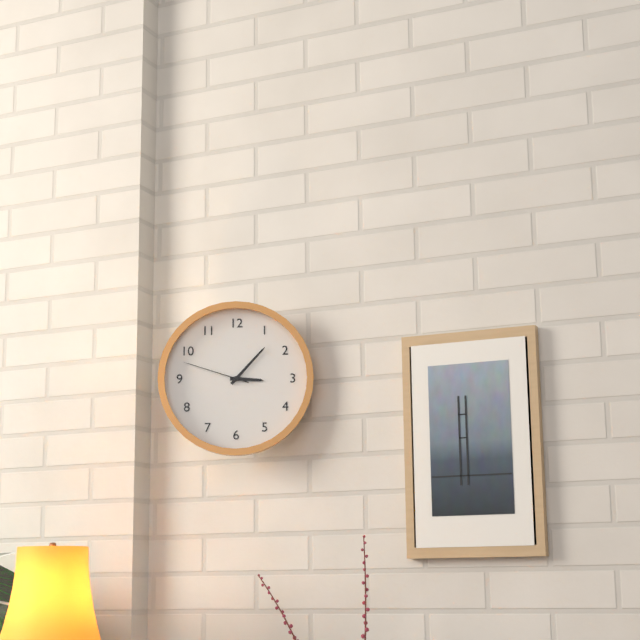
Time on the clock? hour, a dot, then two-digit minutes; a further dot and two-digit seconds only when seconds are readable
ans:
3.07.48
